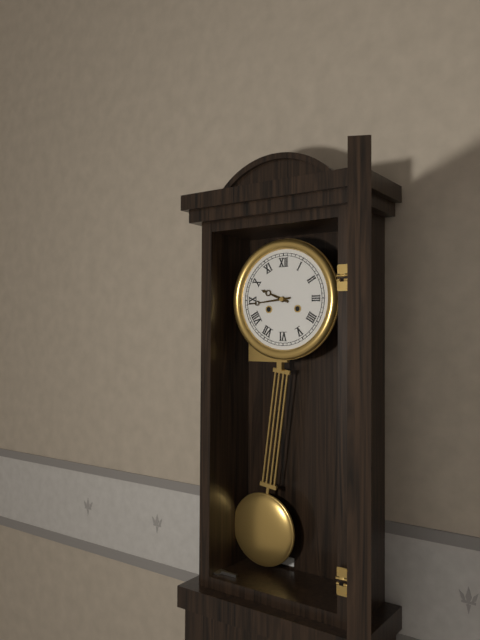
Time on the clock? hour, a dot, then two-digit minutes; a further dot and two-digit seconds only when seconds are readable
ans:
9.44
